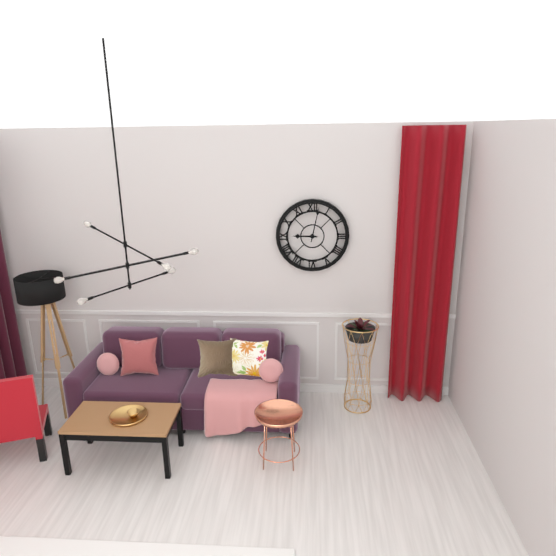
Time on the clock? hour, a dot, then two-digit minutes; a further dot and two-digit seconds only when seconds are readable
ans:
9.02
